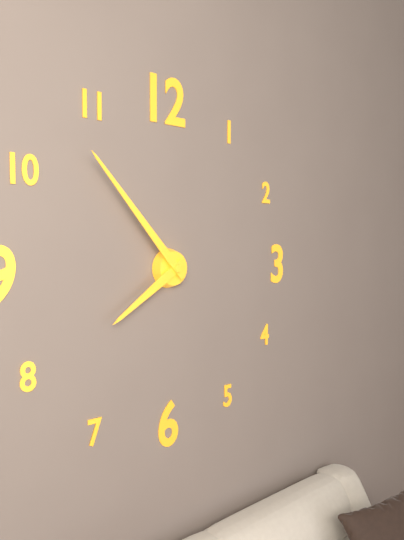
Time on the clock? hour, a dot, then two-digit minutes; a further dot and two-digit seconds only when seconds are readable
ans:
7.53
